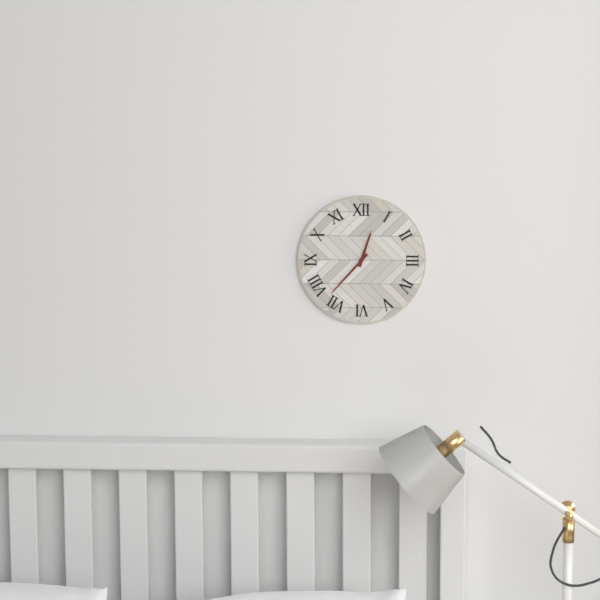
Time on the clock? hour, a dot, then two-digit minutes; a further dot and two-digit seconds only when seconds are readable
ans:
12.37
